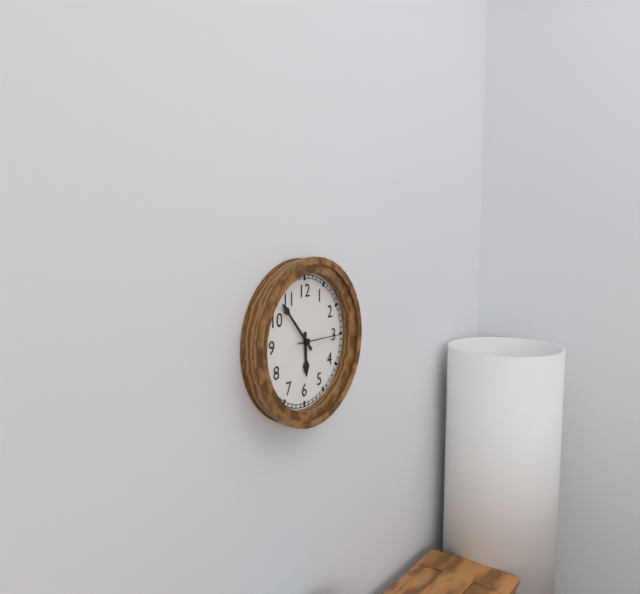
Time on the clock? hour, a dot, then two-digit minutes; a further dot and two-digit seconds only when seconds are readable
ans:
5.53
